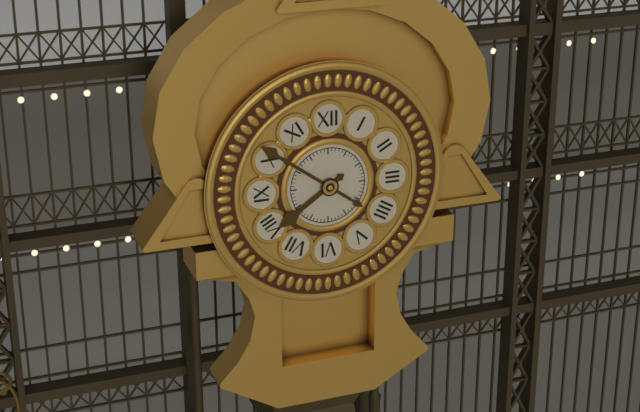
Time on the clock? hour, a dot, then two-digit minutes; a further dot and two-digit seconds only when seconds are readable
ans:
7.51
